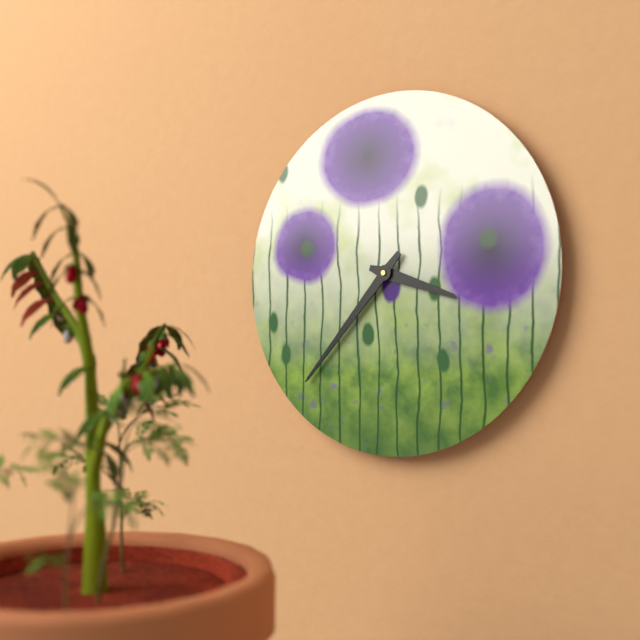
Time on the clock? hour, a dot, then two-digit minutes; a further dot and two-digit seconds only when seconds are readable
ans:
3.37
